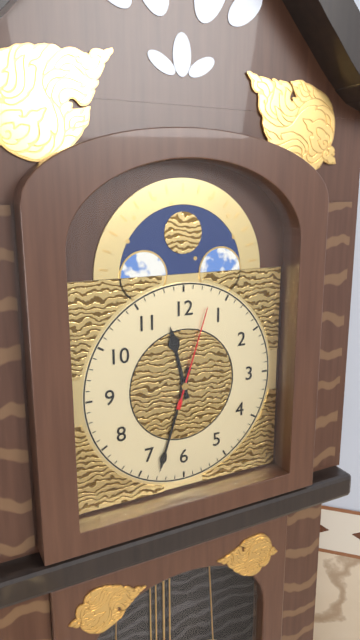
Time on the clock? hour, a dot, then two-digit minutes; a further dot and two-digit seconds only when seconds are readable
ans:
11.33.03
